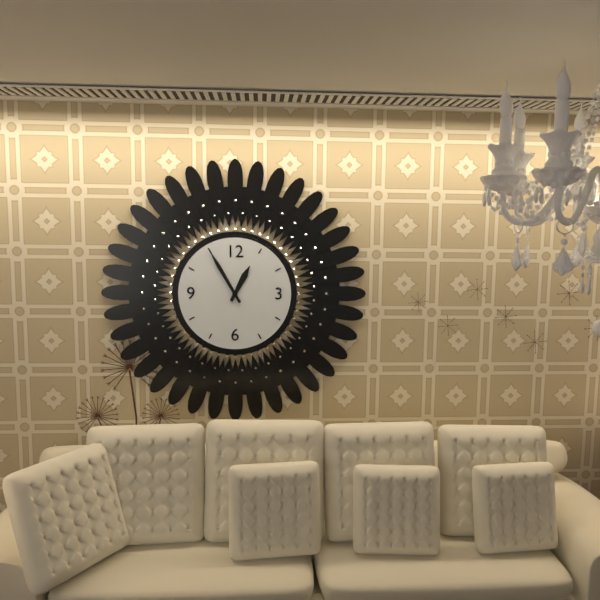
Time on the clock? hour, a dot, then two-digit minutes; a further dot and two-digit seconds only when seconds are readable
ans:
12.55
